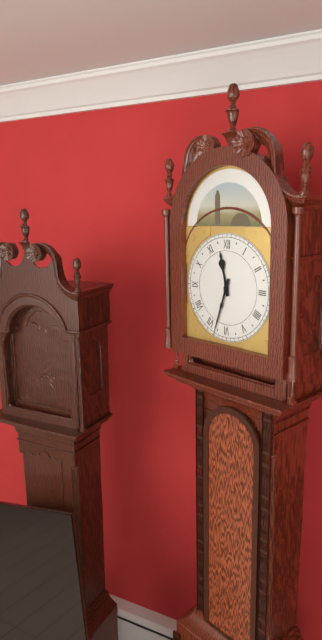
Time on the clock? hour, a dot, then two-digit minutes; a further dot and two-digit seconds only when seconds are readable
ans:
11.33
